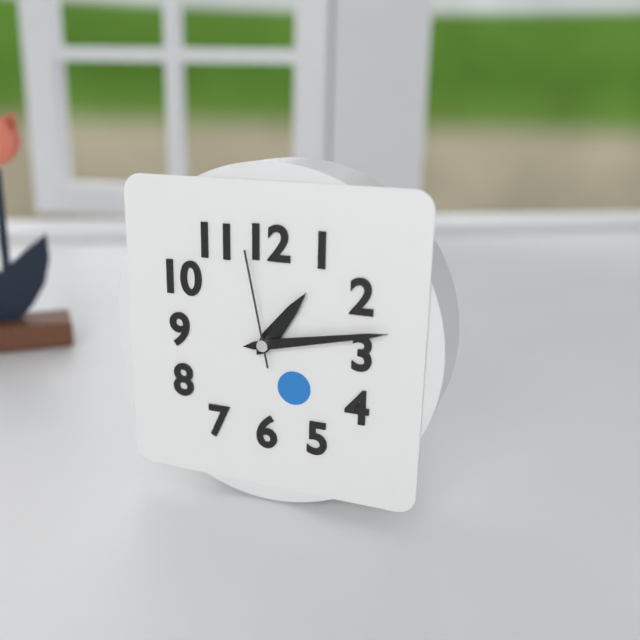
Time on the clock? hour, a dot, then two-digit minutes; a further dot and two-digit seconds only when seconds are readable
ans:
1.13.58
